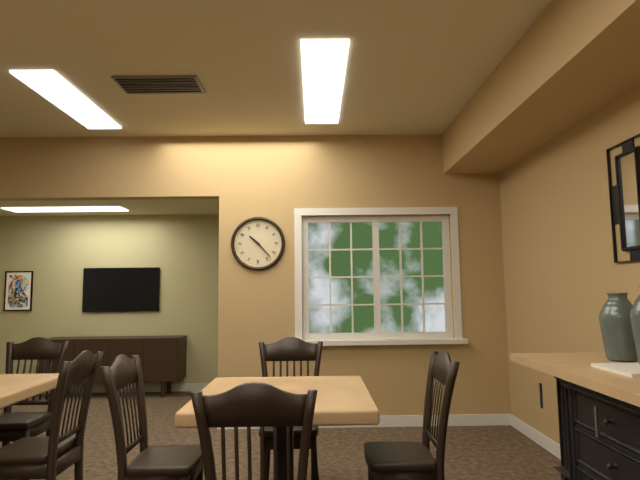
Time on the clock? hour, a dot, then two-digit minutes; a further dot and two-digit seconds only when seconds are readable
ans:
10.23
